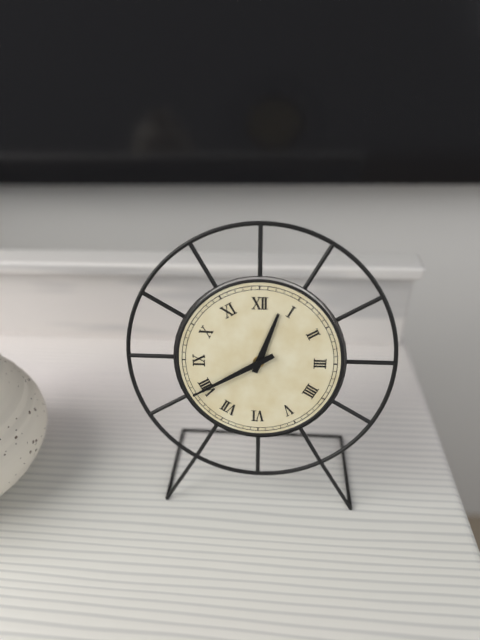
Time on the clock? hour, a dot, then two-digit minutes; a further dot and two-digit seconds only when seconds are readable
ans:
12.40
